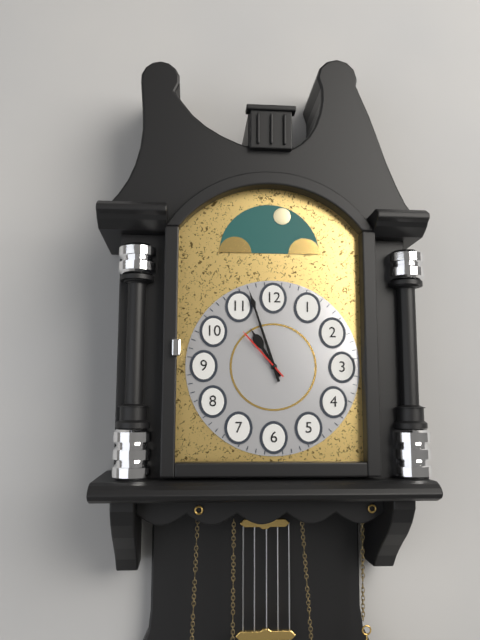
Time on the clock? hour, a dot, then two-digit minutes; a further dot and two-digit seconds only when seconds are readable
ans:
10.57.53
